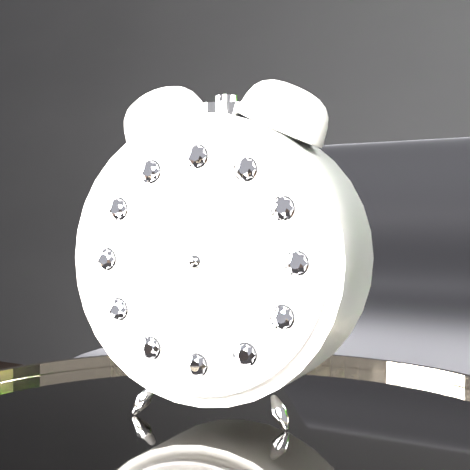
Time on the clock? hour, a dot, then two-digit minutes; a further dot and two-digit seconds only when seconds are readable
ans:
8.39.22
